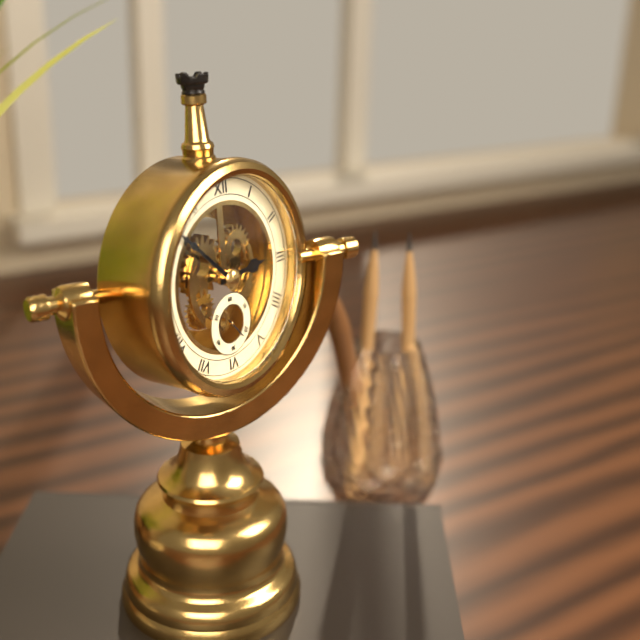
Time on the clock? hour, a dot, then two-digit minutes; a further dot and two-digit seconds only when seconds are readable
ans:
2.52
